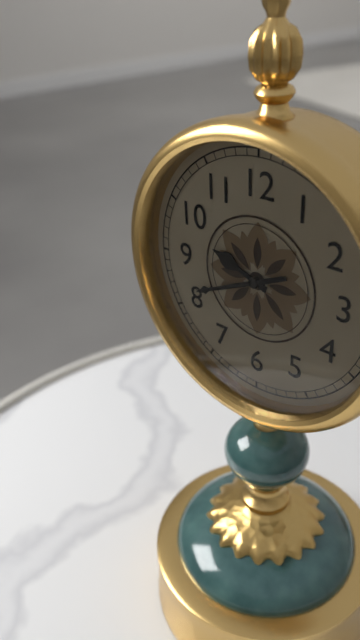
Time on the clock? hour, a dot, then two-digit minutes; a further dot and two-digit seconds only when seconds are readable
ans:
9.41
